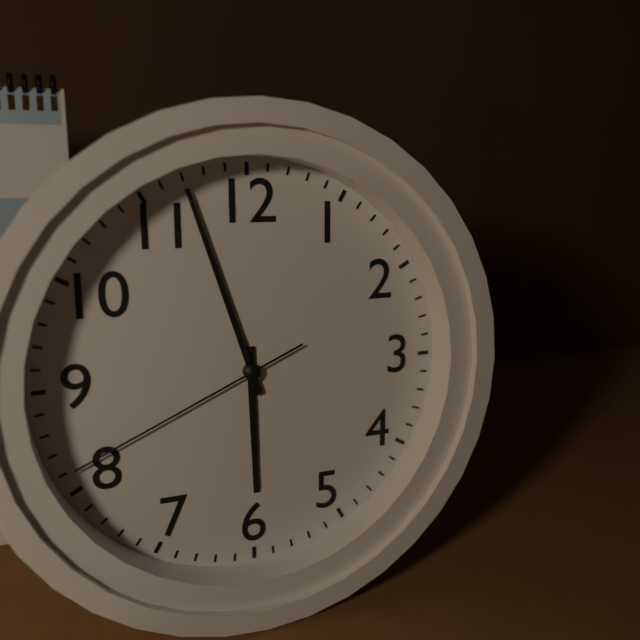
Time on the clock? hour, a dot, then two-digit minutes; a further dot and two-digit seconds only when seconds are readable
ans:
5.57.41
